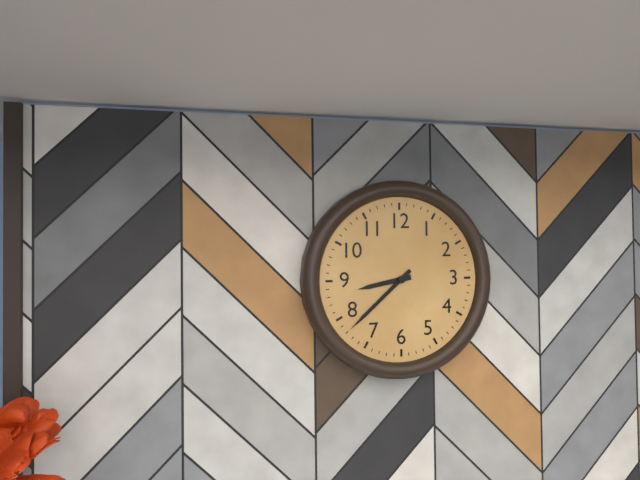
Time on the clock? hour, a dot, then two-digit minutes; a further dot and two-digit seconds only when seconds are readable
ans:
8.38
